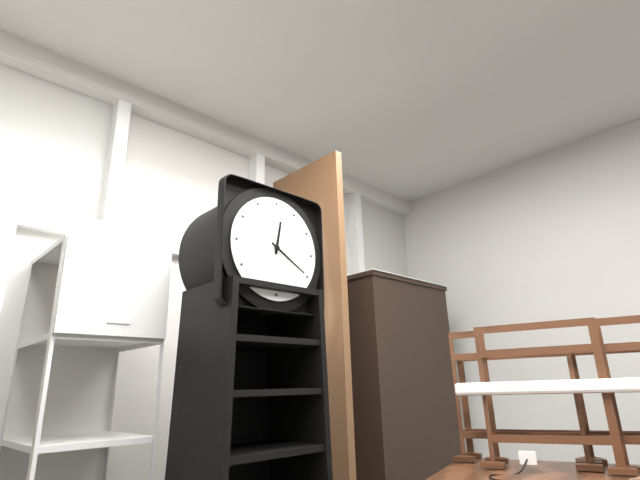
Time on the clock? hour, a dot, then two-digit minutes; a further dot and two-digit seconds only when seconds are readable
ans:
12.20
